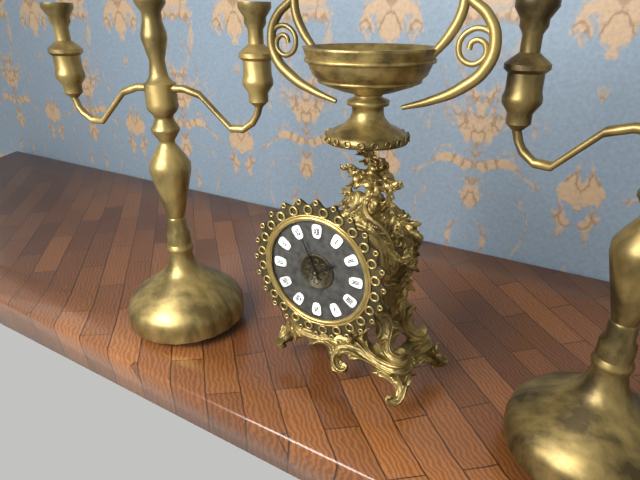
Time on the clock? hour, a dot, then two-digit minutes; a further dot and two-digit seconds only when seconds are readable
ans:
1.56
